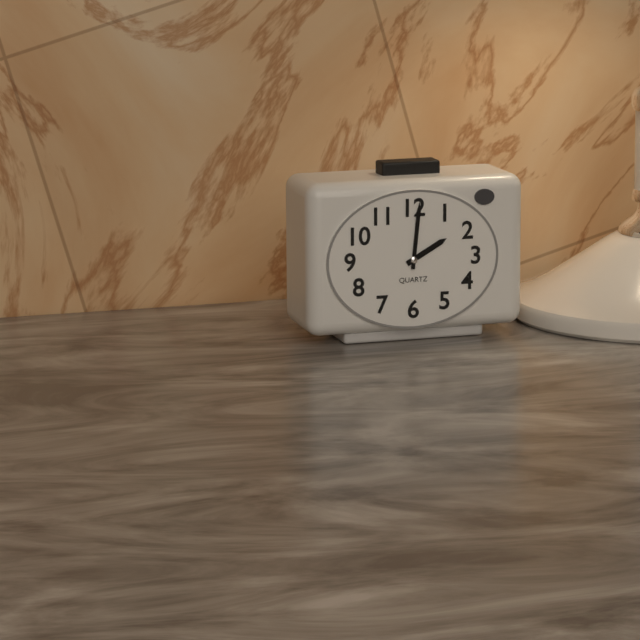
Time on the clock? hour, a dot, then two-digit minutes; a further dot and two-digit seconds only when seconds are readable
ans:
2.01
